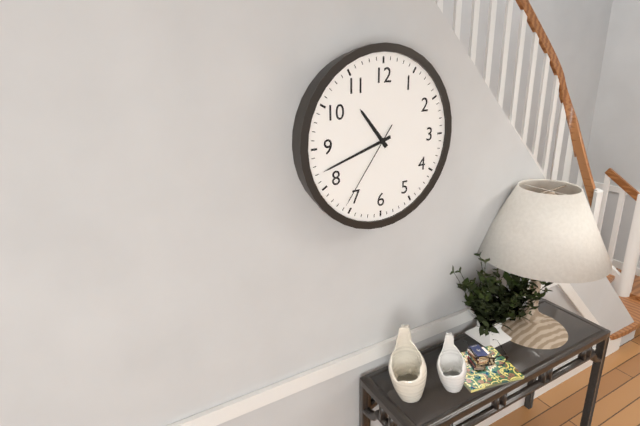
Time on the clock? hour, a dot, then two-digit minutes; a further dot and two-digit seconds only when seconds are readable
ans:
10.42.36
